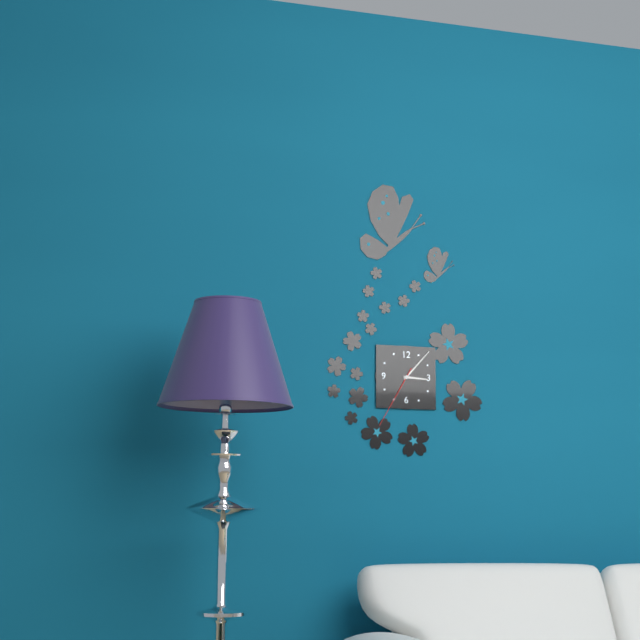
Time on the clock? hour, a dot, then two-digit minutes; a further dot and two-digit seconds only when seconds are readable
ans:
3.07.35
